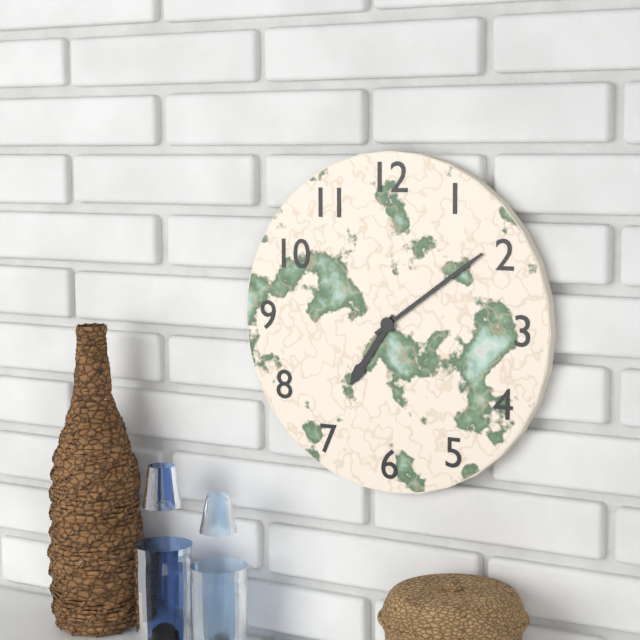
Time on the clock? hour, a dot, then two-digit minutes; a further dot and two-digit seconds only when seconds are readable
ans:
7.09
